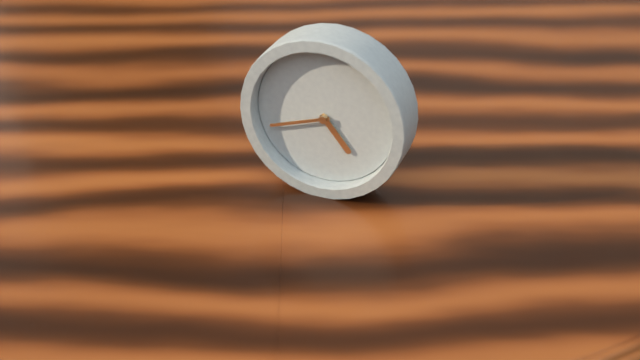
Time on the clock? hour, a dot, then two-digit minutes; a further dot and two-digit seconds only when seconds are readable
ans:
4.42
